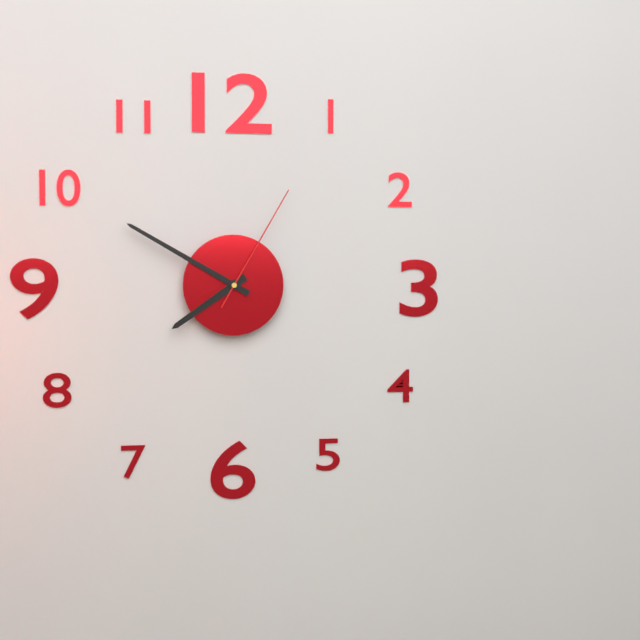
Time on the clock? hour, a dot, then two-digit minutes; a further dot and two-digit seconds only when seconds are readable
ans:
7.50.05
